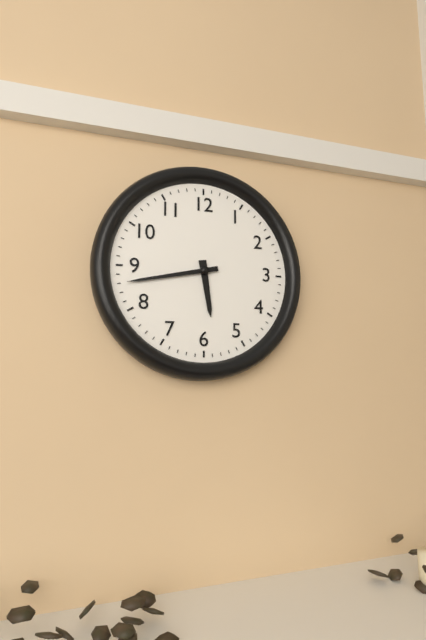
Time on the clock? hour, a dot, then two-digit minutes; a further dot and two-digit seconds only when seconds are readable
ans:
5.43
